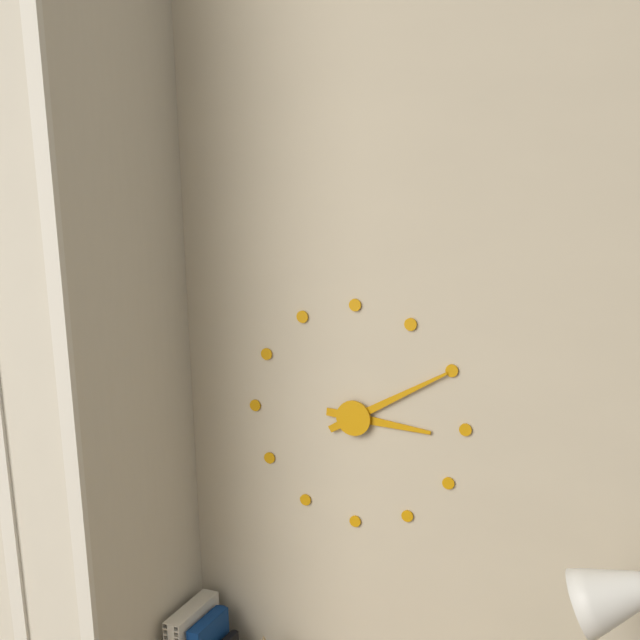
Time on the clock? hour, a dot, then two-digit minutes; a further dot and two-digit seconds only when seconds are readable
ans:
3.10
